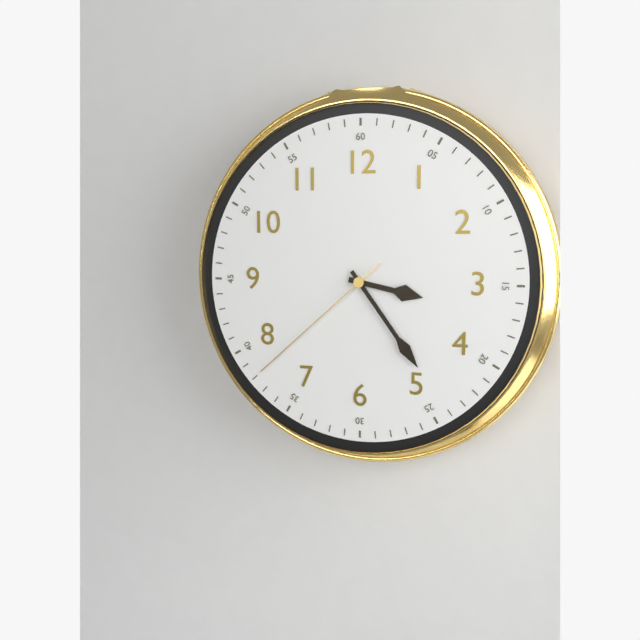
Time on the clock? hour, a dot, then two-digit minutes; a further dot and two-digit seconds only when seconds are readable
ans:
3.24.38
